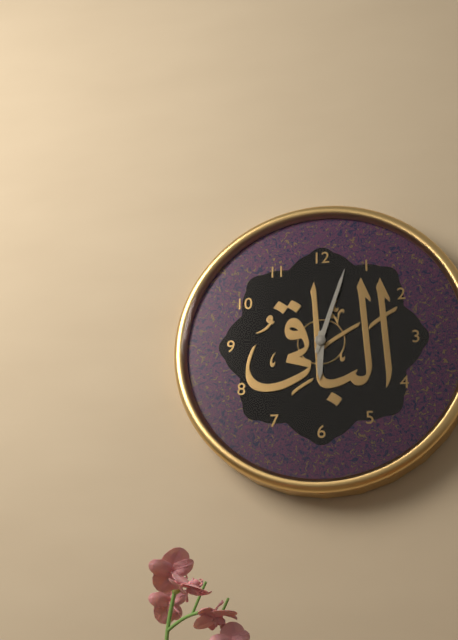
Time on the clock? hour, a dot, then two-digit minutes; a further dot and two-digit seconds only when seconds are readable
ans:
6.03
